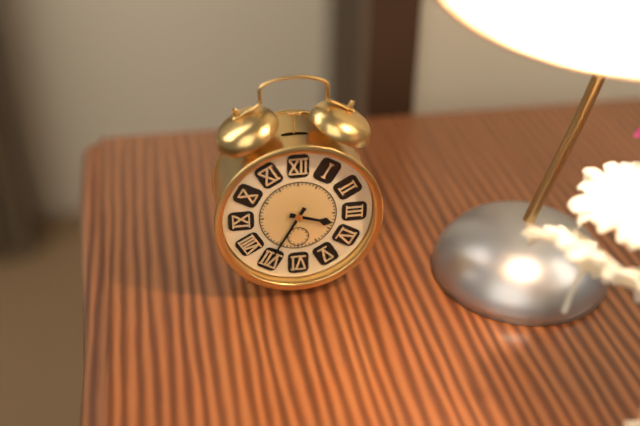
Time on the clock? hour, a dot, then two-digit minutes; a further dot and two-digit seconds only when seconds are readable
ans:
3.35
